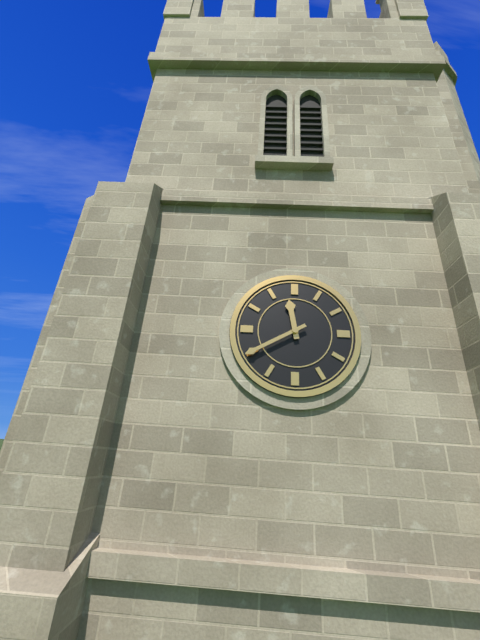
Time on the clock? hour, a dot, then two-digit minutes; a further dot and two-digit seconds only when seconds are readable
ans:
11.40
